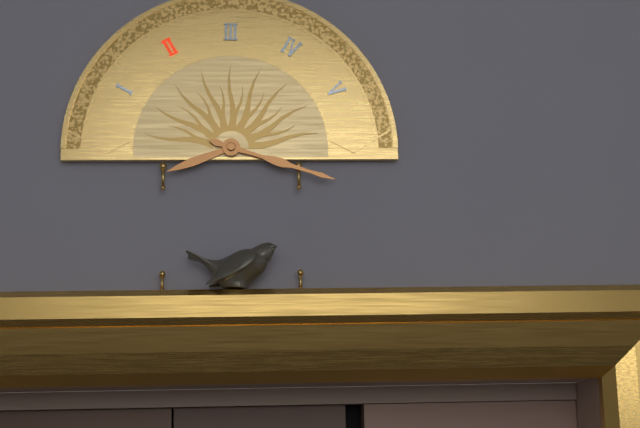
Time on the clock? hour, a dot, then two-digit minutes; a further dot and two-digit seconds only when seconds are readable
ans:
8.18
